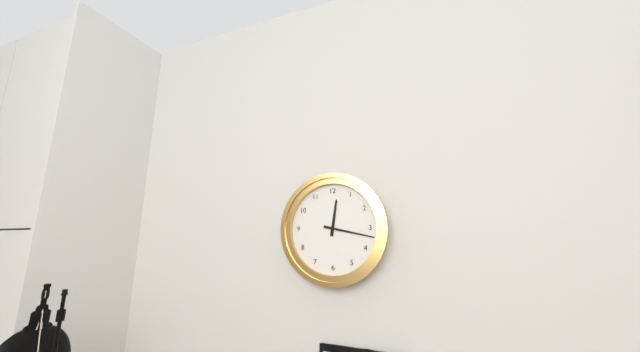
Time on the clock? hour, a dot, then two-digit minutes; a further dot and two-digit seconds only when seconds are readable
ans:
12.17
